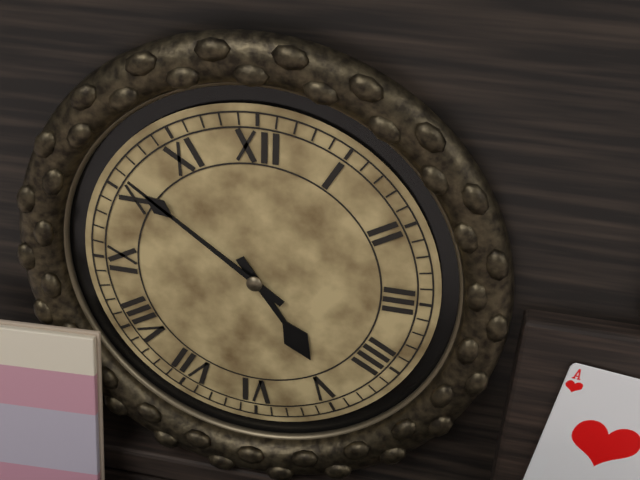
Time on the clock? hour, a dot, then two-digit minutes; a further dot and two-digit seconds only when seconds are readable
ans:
4.51
